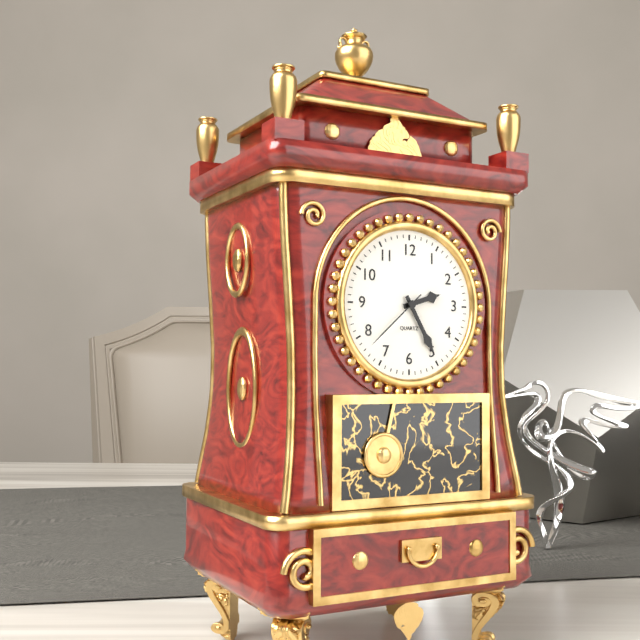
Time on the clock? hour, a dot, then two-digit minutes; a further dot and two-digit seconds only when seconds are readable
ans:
2.25.38
